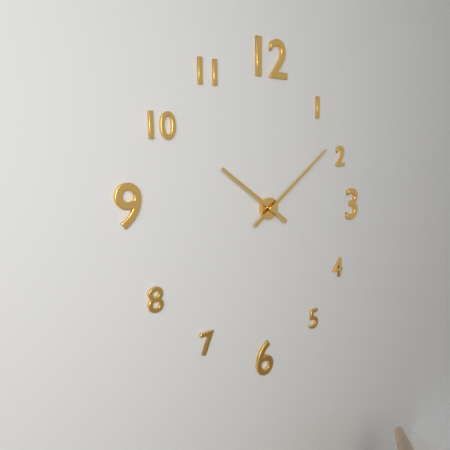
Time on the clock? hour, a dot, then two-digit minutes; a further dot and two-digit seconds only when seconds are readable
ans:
10.09
